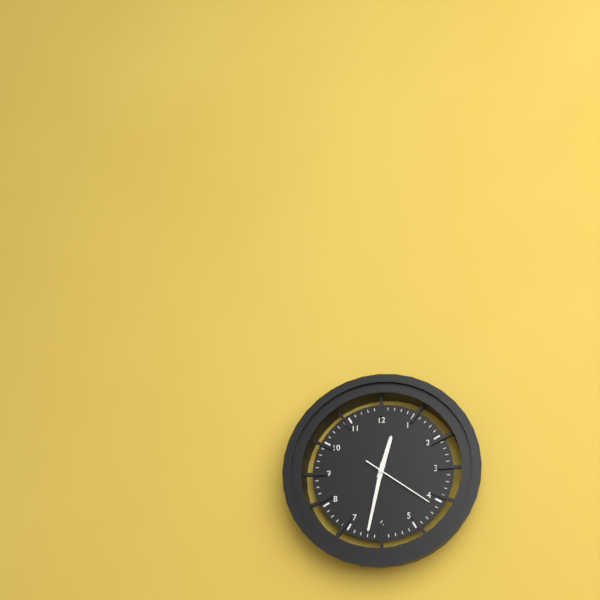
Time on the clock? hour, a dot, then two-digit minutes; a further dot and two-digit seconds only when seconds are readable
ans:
12.32.21
